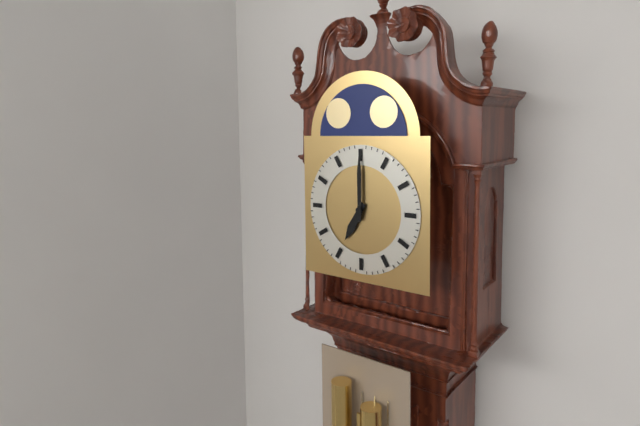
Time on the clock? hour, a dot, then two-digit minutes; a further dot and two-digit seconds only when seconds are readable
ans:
7.00
